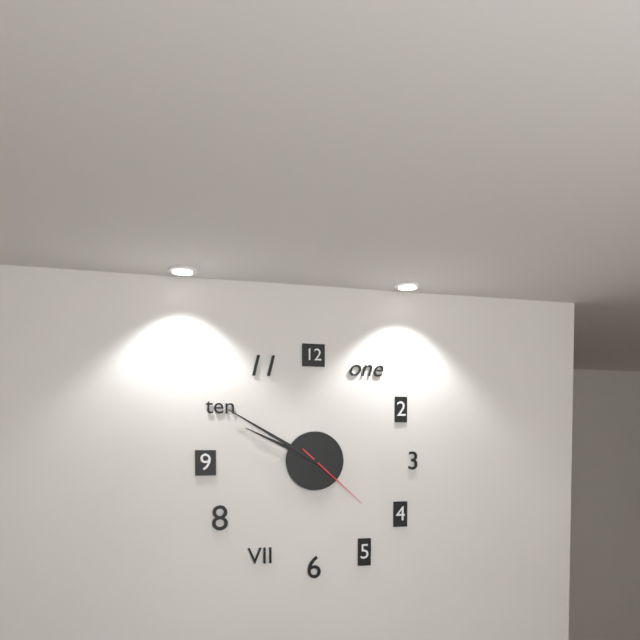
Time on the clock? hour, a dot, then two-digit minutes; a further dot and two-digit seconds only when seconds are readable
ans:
9.50.22
